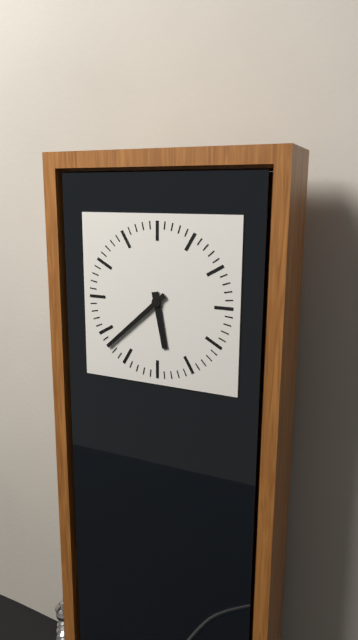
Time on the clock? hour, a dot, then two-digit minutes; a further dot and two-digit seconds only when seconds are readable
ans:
5.38
